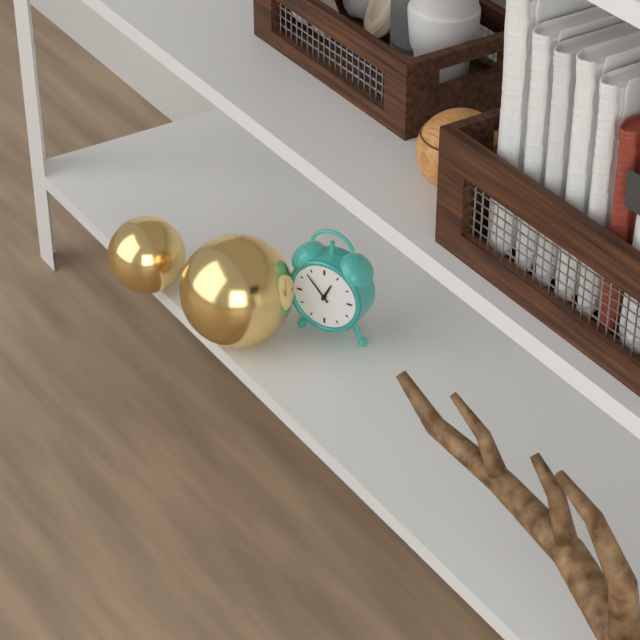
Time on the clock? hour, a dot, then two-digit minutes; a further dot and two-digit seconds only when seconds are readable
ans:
12.53
